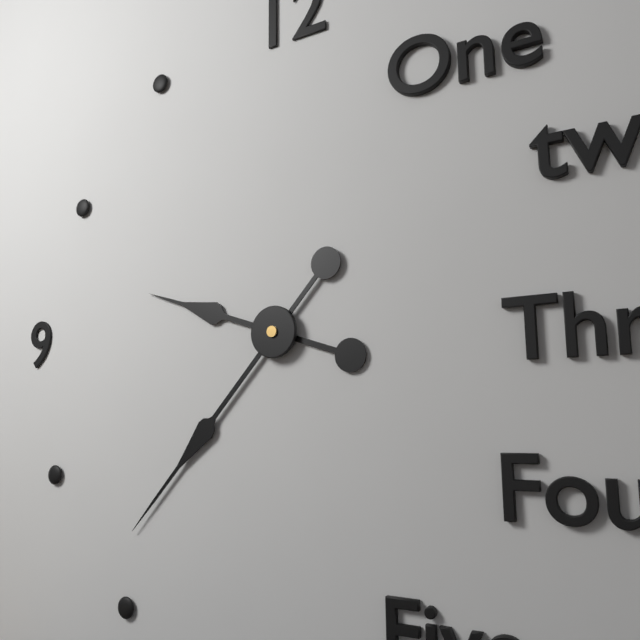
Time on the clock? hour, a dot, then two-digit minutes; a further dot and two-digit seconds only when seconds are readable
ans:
9.37
